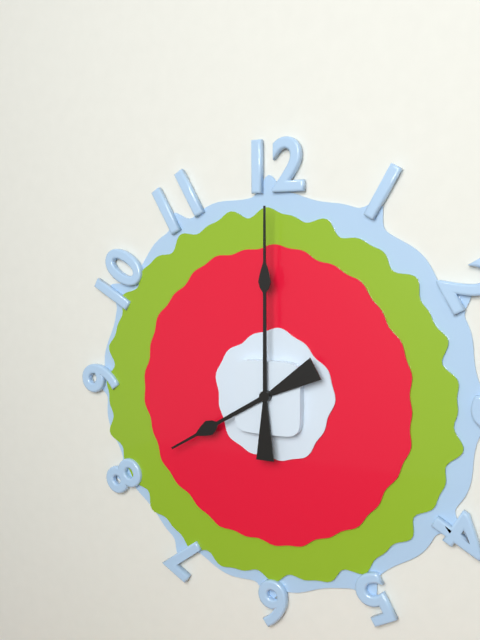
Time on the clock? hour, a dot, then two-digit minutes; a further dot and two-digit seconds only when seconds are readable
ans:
8.00
